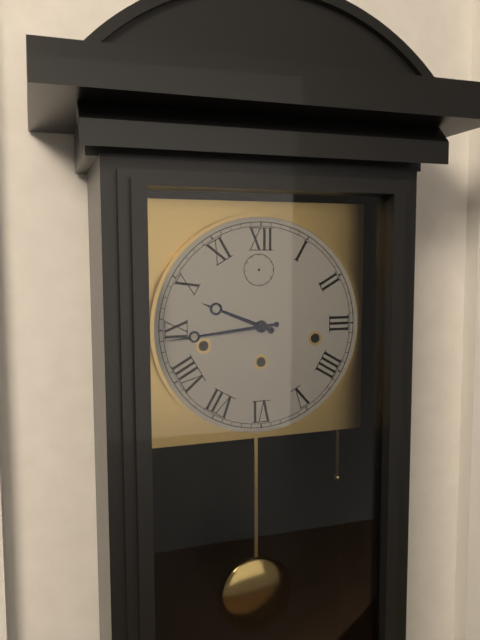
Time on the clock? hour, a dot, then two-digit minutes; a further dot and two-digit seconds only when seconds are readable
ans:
9.44
